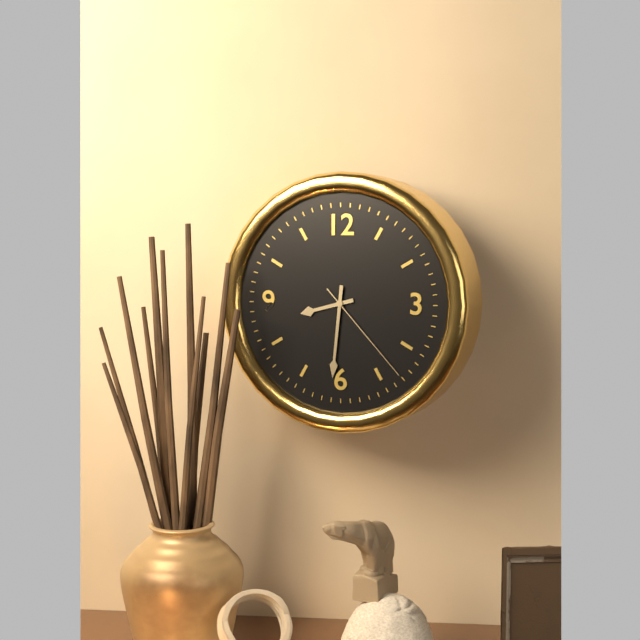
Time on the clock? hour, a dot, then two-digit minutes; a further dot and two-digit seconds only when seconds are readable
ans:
8.31.23
